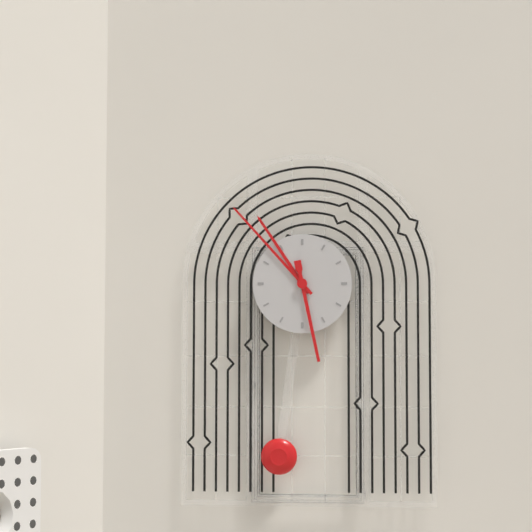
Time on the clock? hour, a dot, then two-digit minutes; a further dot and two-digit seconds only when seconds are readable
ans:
10.53.28
